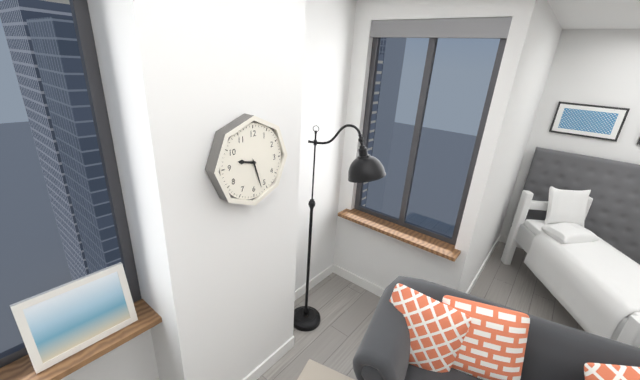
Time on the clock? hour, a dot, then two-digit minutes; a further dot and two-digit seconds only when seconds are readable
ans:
9.27
